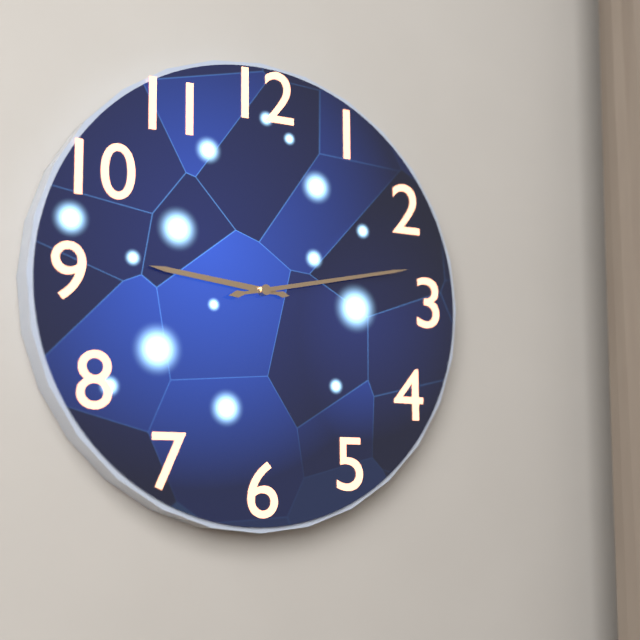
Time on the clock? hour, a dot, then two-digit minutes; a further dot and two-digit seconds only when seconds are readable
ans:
9.13
